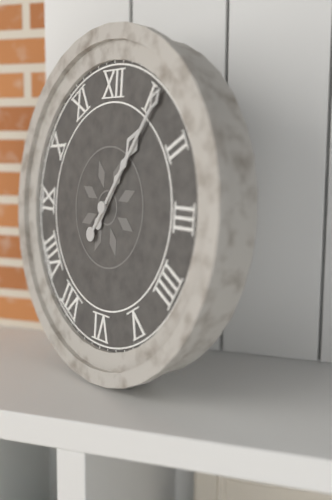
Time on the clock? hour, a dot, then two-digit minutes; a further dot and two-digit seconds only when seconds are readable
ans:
1.06
